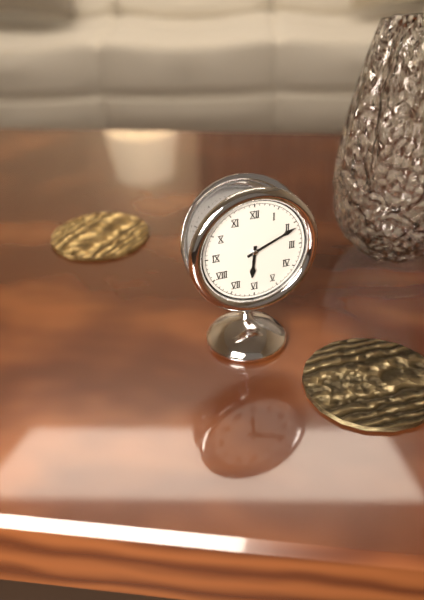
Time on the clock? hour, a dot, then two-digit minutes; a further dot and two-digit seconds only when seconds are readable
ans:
6.11
